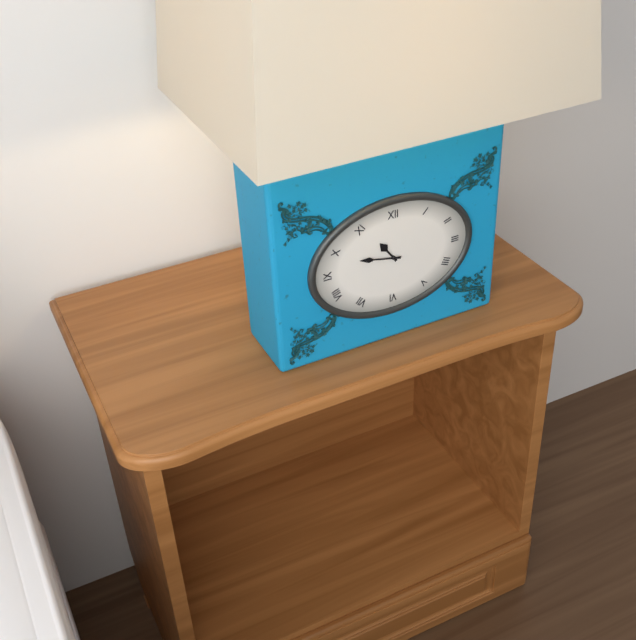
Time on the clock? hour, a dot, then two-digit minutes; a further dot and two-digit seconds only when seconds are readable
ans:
10.47
